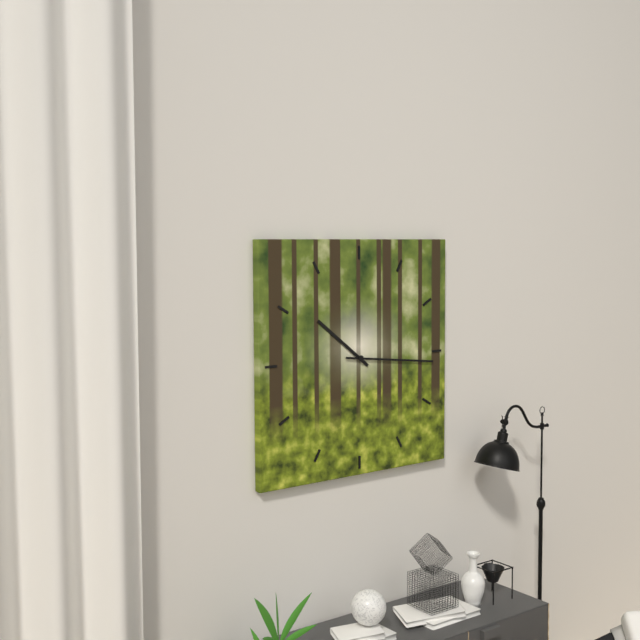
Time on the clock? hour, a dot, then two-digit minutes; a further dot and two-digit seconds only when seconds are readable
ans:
10.16
